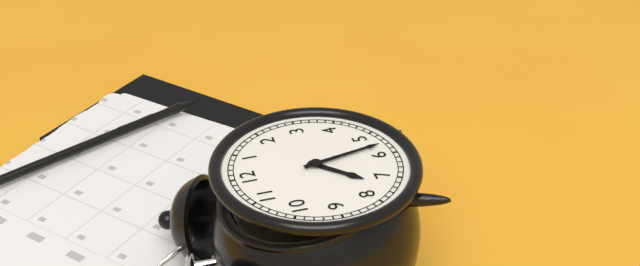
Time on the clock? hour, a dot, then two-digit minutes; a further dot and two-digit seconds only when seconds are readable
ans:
7.28
